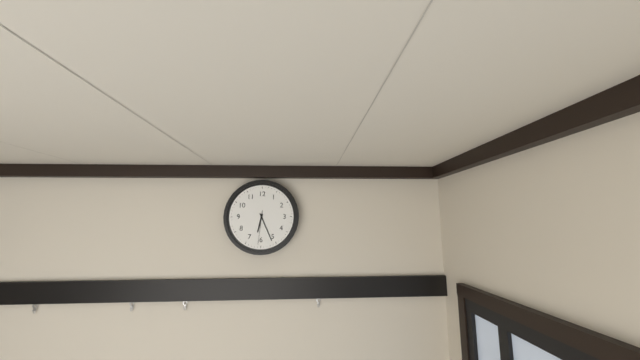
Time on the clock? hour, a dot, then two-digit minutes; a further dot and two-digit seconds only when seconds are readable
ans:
6.26
